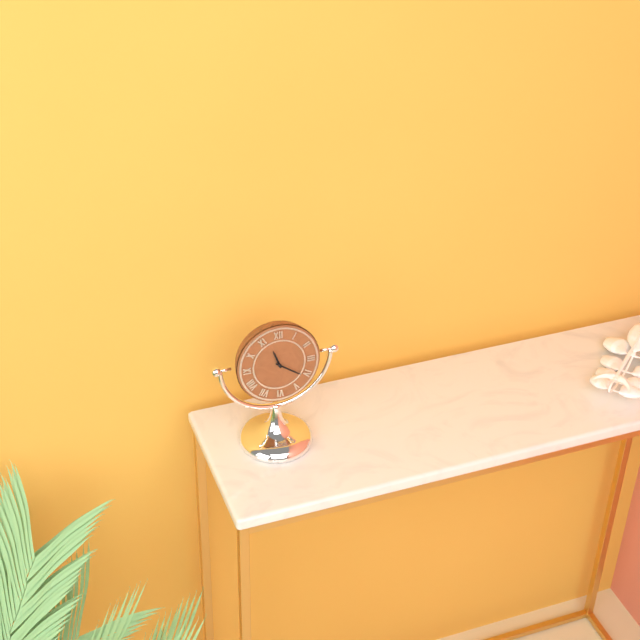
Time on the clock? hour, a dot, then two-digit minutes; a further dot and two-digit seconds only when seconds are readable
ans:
11.21
